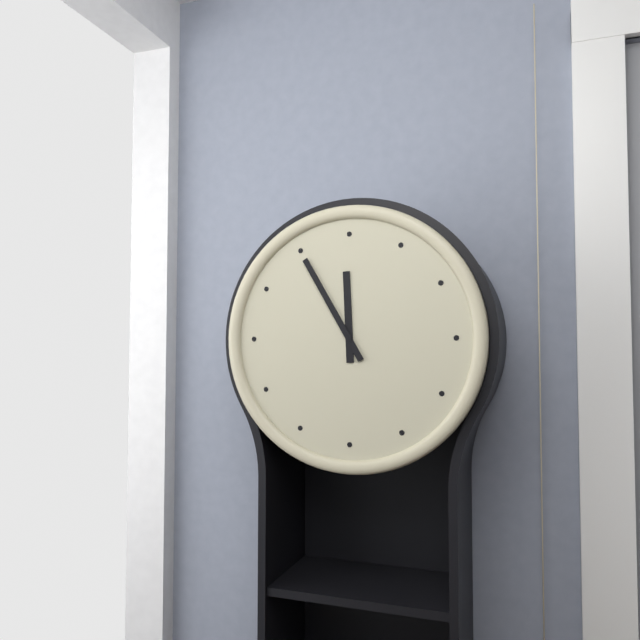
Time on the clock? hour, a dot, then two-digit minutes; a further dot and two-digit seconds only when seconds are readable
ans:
11.55
